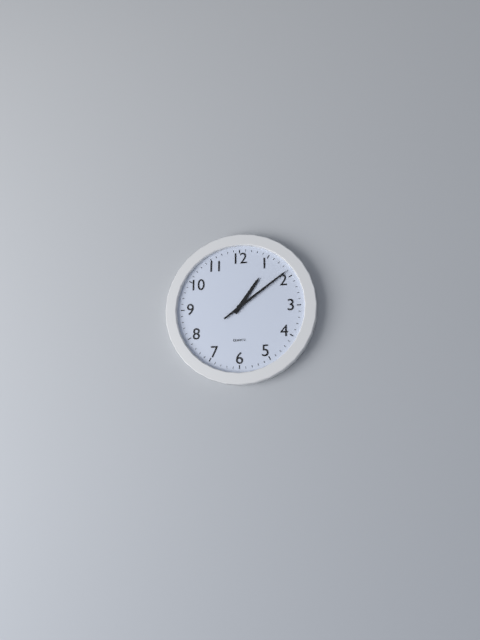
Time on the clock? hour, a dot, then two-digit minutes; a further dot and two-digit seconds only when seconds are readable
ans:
1.09
